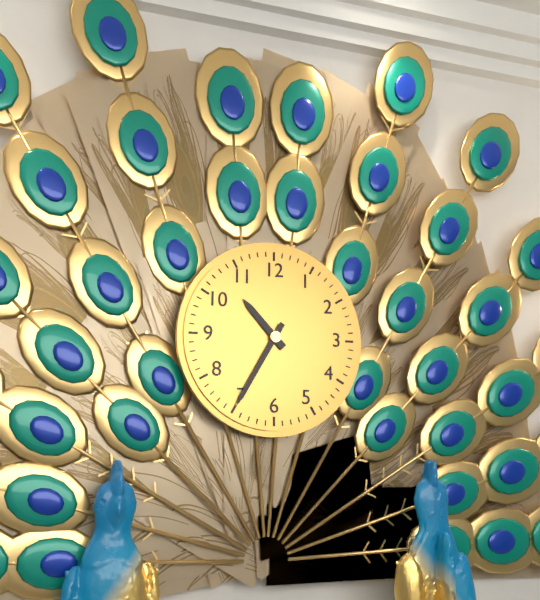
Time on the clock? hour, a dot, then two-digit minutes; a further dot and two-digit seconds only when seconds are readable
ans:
10.35
